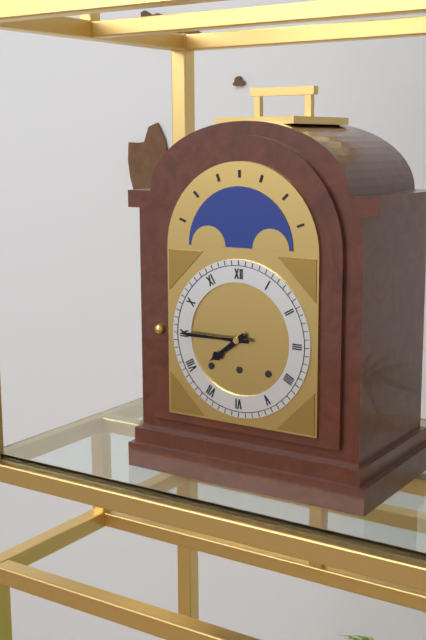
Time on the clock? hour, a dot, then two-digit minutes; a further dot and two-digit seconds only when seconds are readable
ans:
7.45
